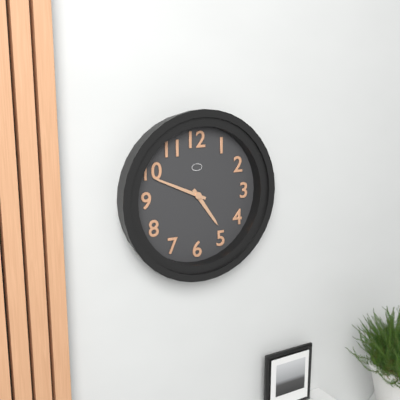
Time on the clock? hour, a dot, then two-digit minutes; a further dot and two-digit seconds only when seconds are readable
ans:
4.49
